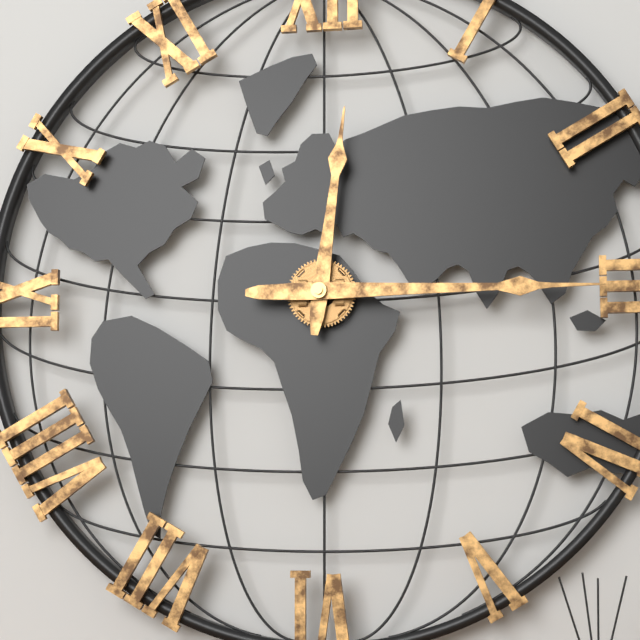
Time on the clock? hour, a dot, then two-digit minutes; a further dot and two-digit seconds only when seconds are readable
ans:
12.15
